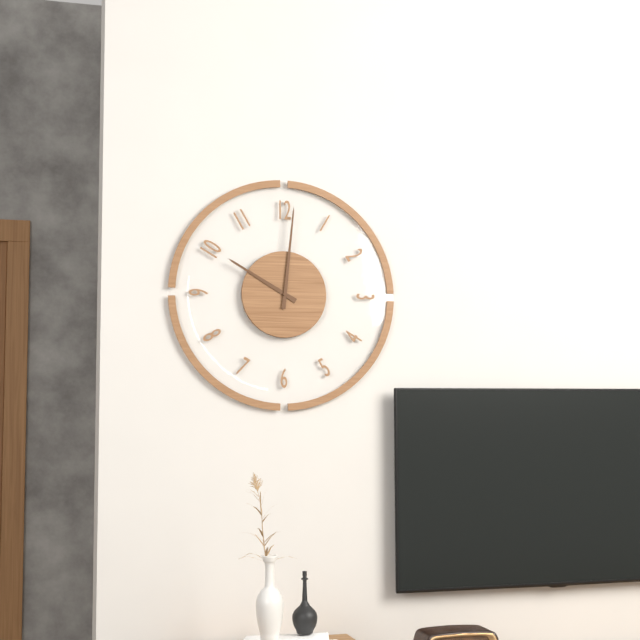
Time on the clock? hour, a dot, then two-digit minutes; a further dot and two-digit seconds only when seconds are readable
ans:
10.01
